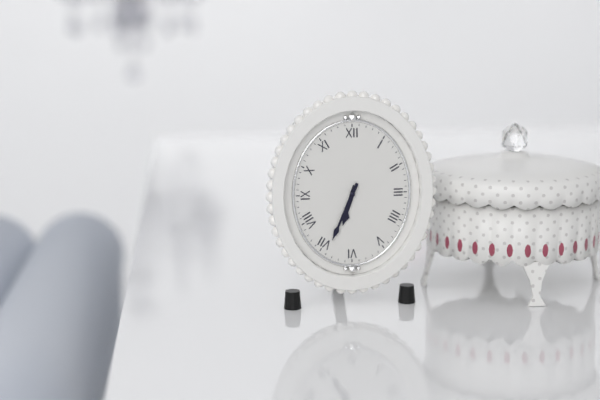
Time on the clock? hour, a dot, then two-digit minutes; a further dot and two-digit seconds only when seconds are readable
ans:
6.34
